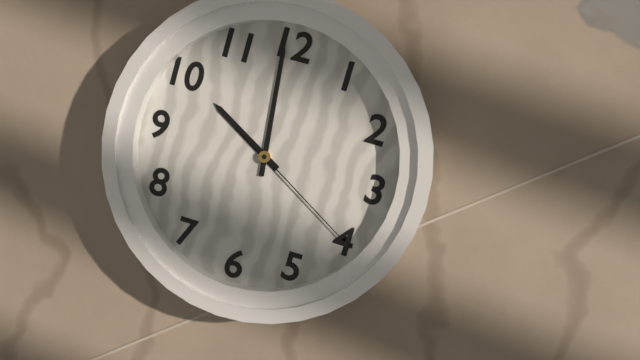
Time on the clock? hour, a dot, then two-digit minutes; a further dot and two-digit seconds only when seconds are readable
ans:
9.59.20
